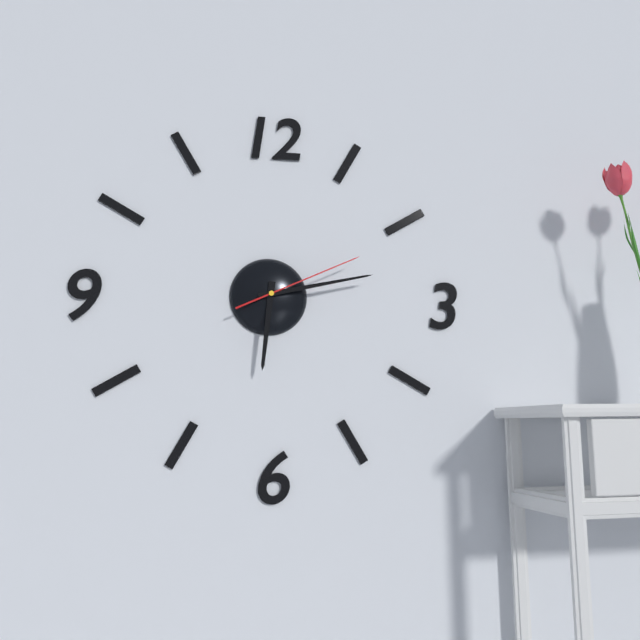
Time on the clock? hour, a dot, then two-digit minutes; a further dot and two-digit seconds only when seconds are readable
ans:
6.13.11
